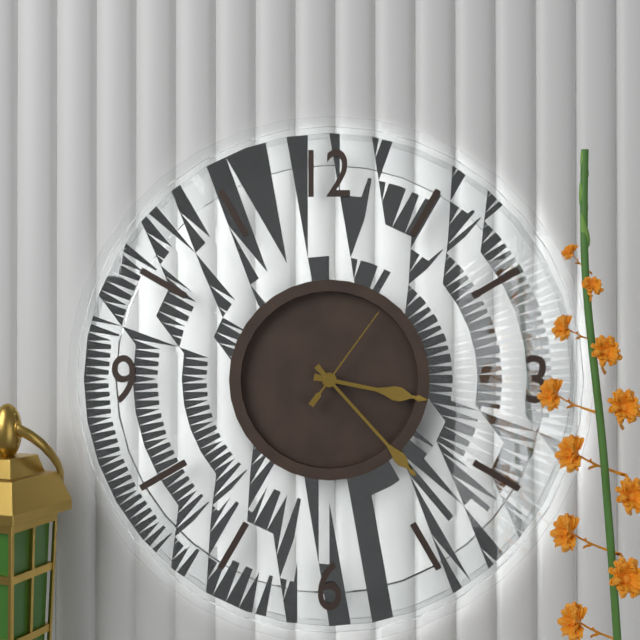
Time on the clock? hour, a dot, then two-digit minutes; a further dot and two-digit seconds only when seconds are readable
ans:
3.23.06
